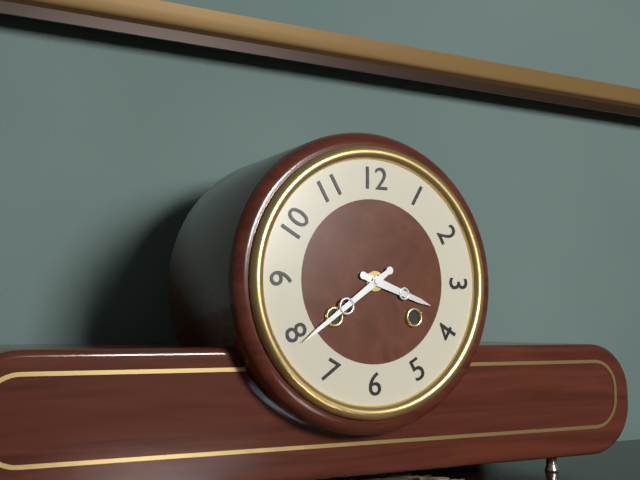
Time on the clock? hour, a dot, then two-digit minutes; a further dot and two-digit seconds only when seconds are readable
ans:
3.39
